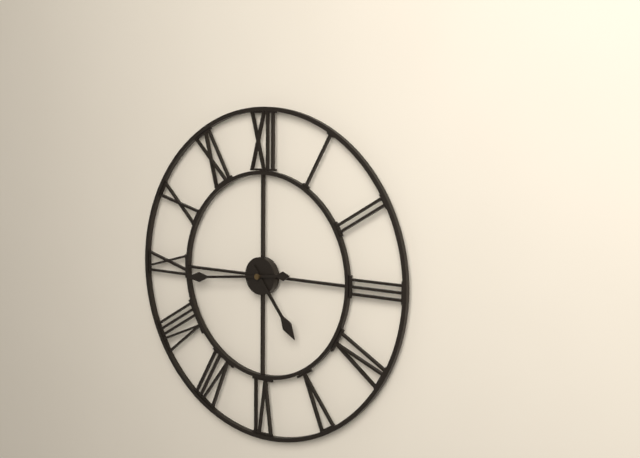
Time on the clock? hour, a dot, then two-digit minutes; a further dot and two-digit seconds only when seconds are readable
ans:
4.44
